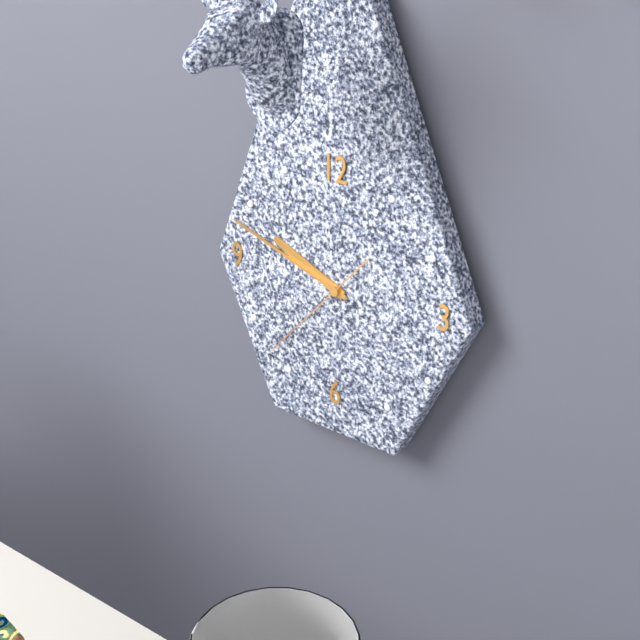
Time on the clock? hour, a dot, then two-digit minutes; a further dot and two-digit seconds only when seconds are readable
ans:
9.48.37
